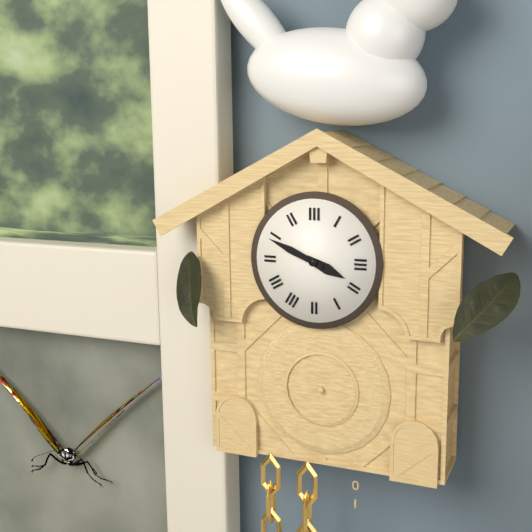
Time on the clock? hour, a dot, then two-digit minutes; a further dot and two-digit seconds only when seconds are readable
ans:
3.49
